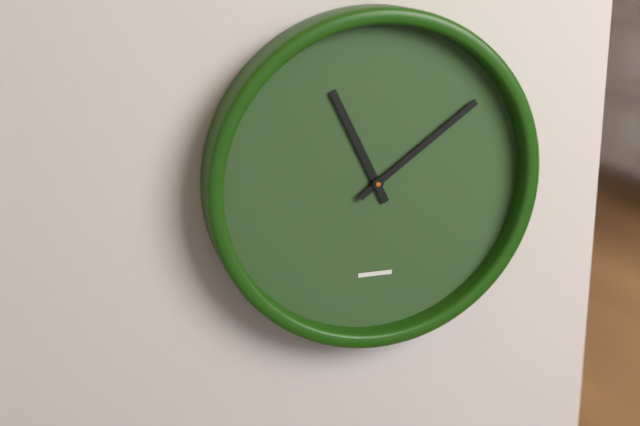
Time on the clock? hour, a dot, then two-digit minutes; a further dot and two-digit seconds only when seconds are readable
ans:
11.09
